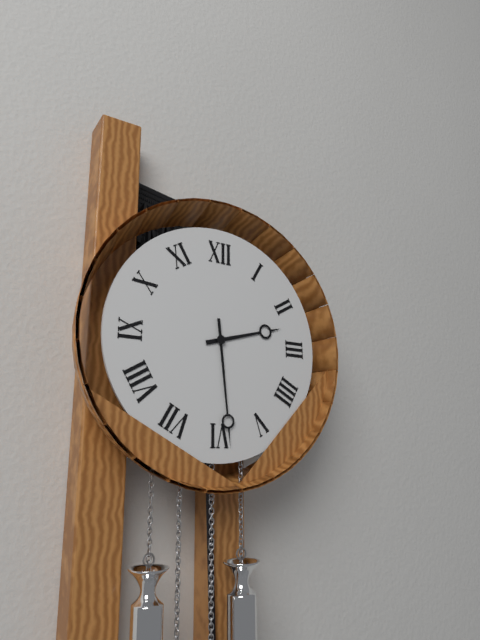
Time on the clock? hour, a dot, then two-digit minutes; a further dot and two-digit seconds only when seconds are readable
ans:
2.29
